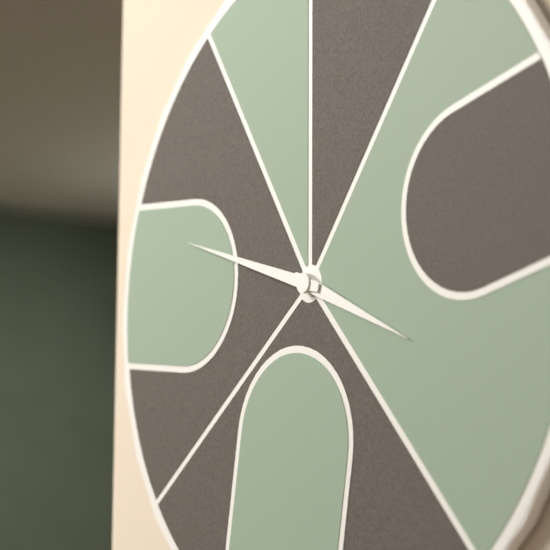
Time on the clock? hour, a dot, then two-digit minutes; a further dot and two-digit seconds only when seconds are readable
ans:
3.48
